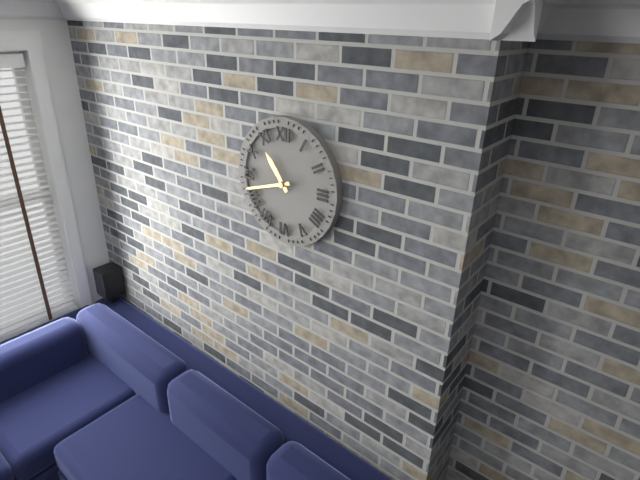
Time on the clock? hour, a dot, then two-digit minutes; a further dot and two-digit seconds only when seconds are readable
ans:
10.42
